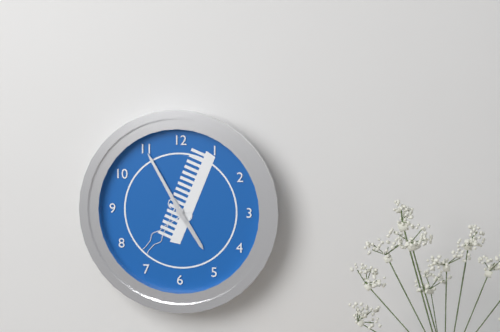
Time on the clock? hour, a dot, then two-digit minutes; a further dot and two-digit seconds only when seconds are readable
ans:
4.55
